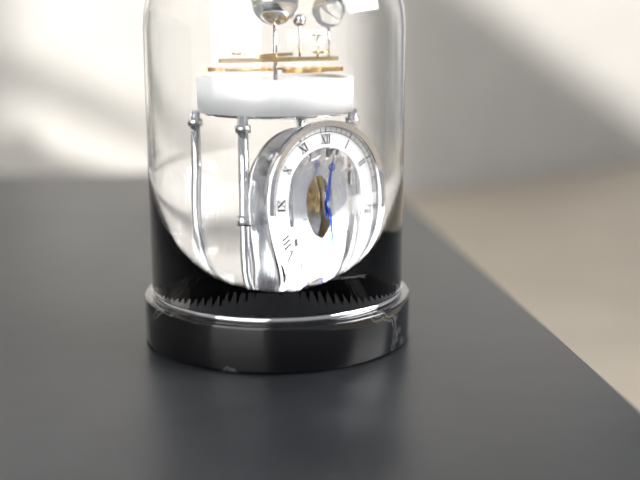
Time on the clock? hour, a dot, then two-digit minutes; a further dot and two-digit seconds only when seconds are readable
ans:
12.27
